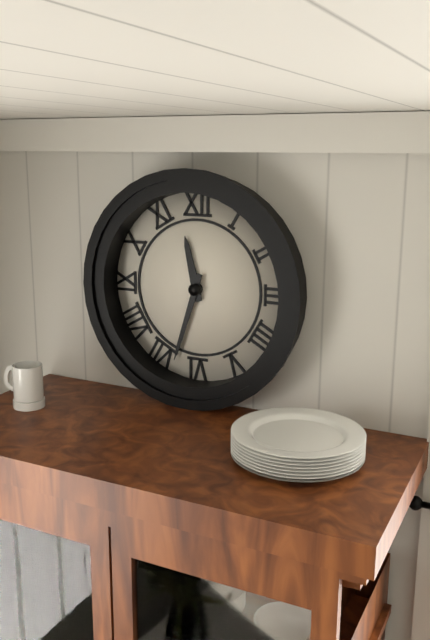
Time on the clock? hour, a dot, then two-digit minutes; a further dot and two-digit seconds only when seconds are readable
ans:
11.33
